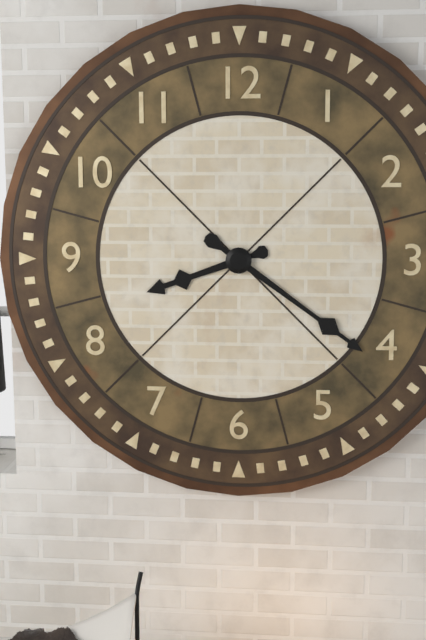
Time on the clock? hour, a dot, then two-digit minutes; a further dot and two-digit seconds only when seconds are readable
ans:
8.21
